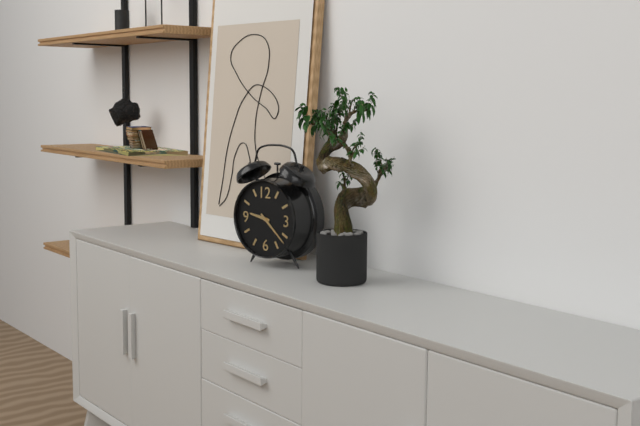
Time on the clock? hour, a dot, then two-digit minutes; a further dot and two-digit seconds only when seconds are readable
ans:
9.22
